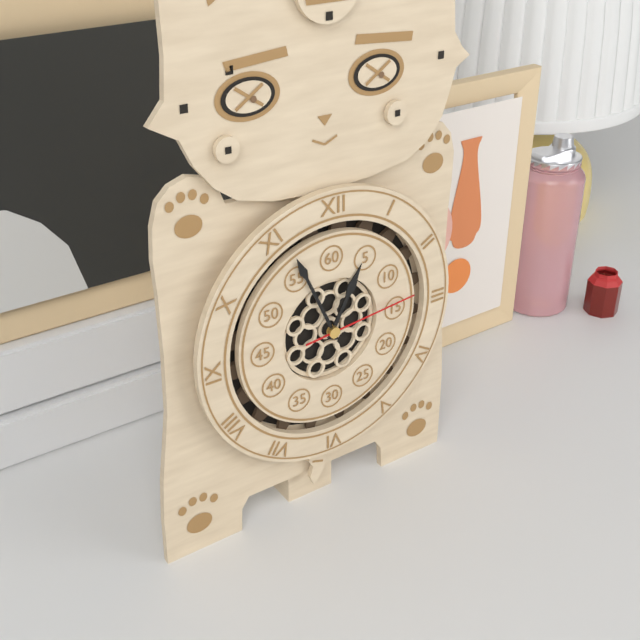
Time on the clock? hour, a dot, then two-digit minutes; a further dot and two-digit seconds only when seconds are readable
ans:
12.56.14
